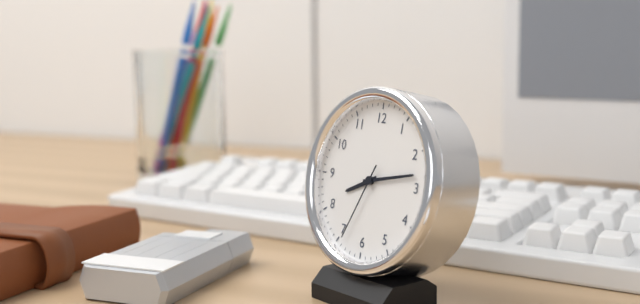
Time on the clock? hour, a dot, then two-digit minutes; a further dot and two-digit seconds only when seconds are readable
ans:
8.13.34
